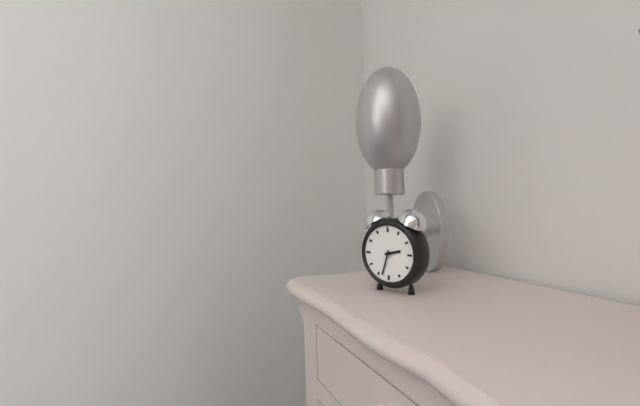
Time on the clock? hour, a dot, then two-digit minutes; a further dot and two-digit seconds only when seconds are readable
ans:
2.33
